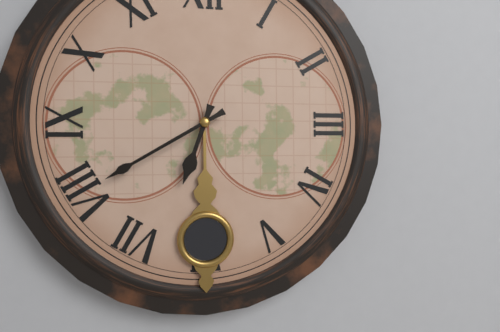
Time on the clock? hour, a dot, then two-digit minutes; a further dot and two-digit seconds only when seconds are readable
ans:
6.40
